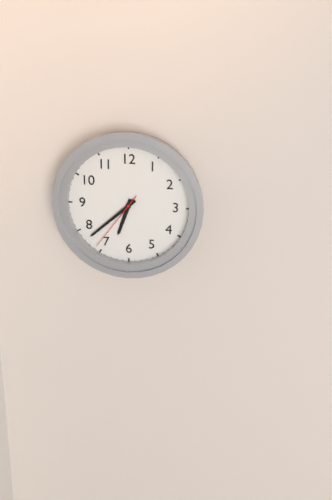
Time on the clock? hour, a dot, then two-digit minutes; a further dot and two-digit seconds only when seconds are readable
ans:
6.38.36
